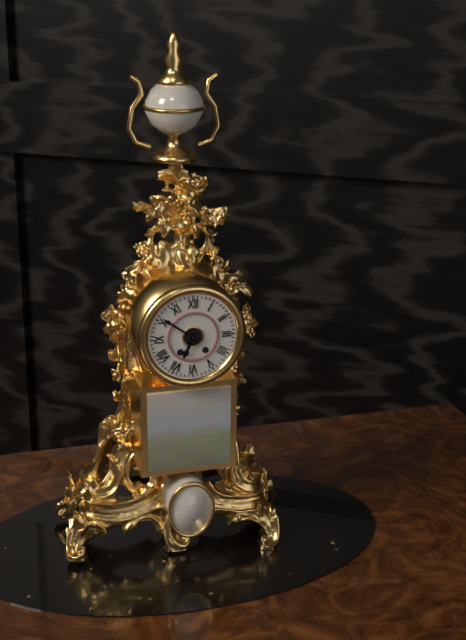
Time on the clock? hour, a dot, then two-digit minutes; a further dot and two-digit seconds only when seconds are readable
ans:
6.51
